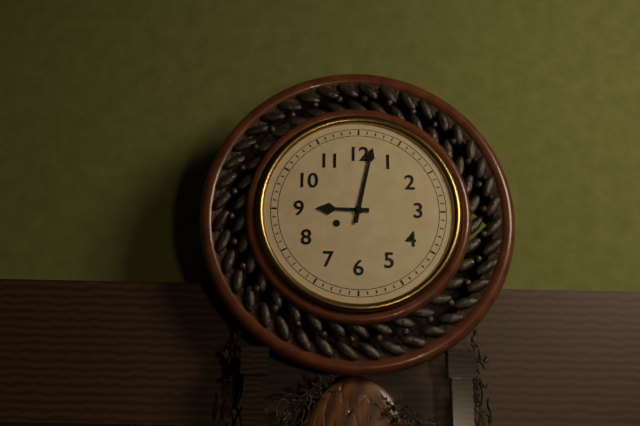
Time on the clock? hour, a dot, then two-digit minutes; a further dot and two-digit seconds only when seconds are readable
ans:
9.02
